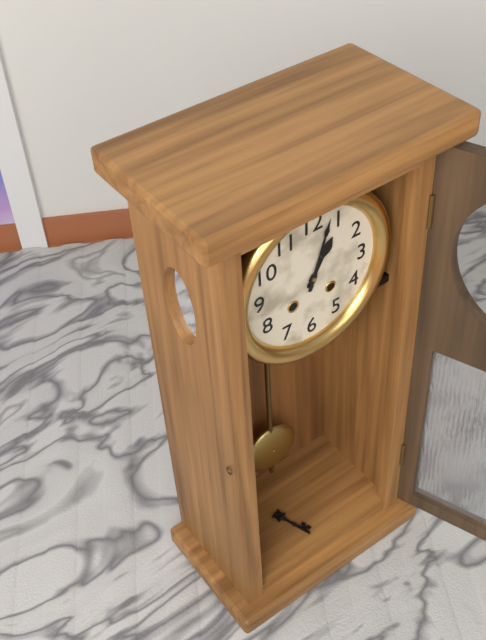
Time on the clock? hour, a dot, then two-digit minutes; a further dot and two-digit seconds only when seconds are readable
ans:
1.03
